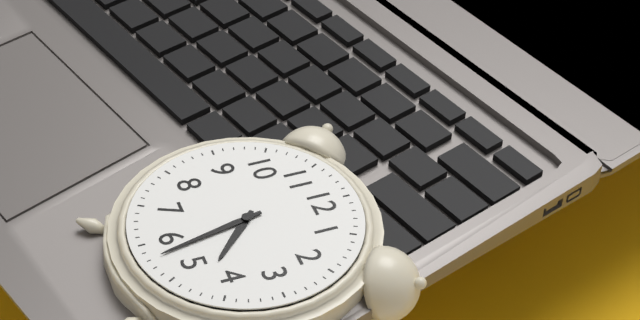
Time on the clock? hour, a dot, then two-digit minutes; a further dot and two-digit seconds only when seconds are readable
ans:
4.28
